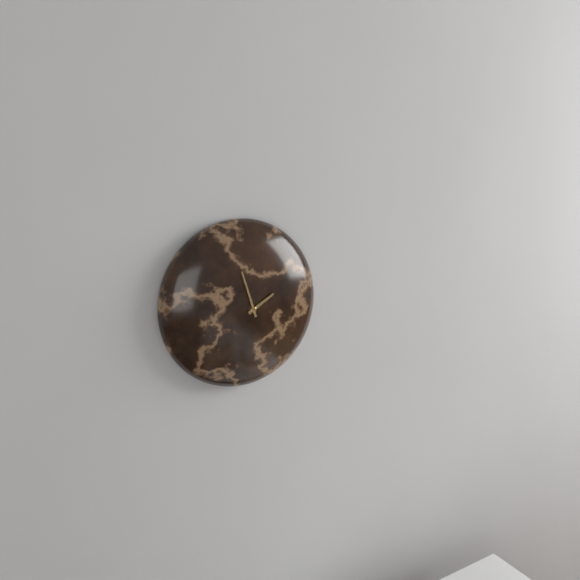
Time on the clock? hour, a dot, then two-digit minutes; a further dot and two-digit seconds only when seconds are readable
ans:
1.57
